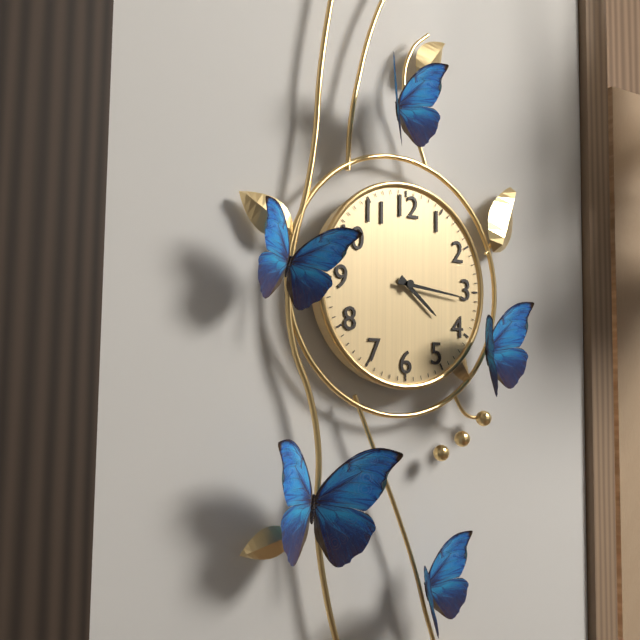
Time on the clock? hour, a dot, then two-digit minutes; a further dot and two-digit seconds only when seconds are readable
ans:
4.16
